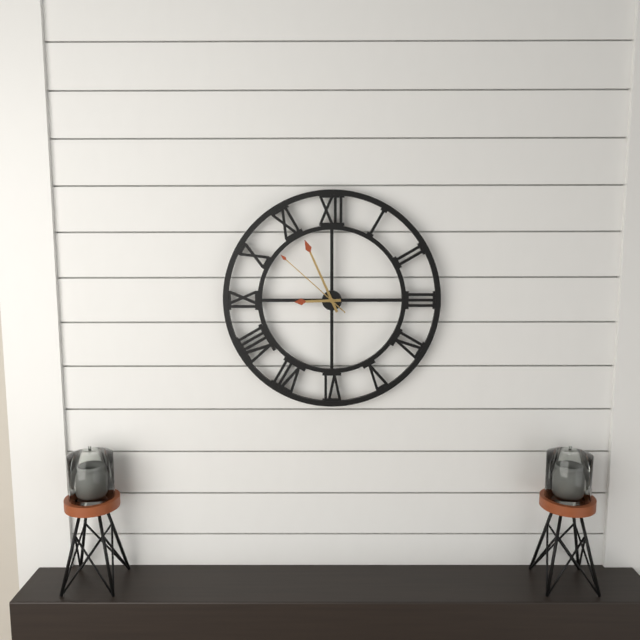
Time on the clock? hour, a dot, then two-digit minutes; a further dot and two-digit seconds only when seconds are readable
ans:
8.56.52
